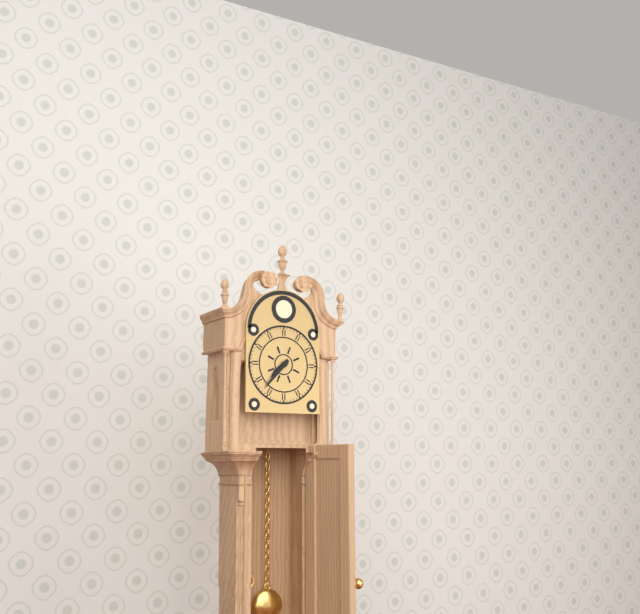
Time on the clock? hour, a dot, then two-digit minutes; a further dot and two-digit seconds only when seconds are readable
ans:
7.37
